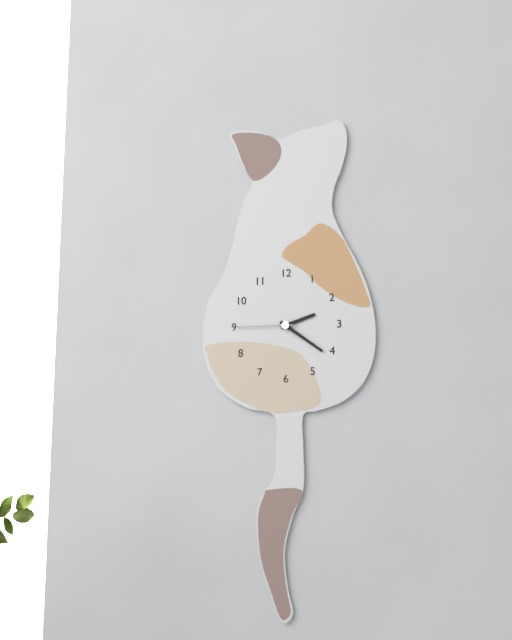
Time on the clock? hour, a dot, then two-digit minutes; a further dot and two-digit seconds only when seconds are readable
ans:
2.21.45
